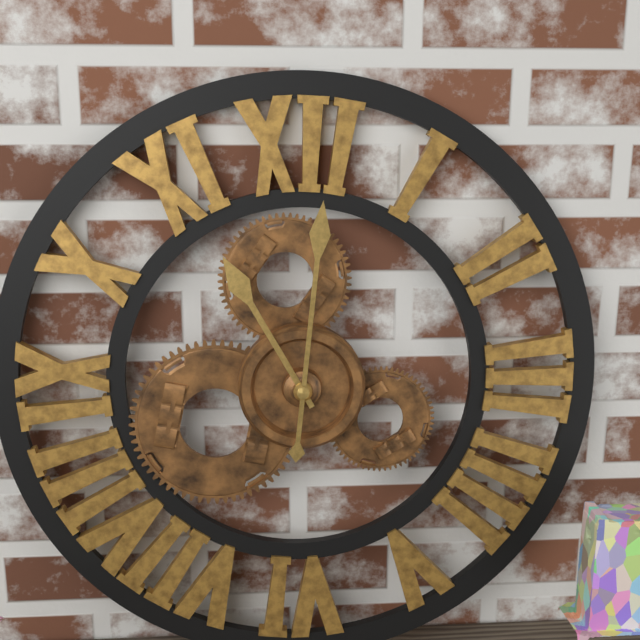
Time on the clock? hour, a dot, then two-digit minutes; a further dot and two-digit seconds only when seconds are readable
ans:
11.01
